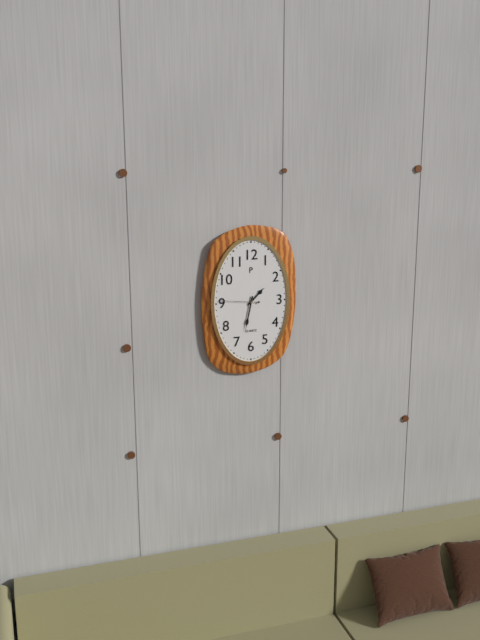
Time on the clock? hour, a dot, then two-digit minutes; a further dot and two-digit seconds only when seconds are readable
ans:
1.32
